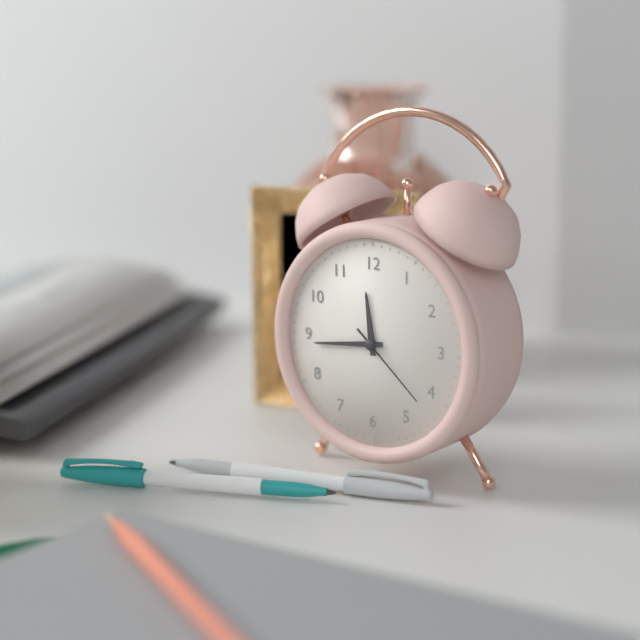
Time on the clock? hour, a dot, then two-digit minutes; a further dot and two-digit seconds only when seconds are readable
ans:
11.44.22
